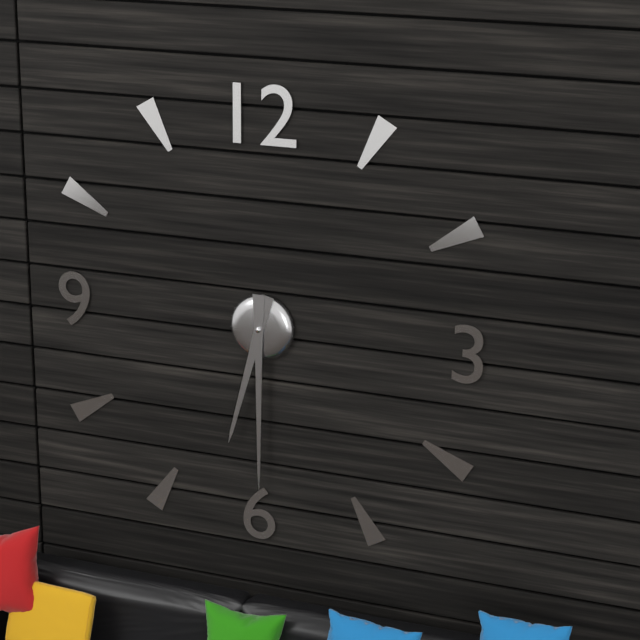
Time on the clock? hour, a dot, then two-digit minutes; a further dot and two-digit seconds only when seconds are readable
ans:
6.30
